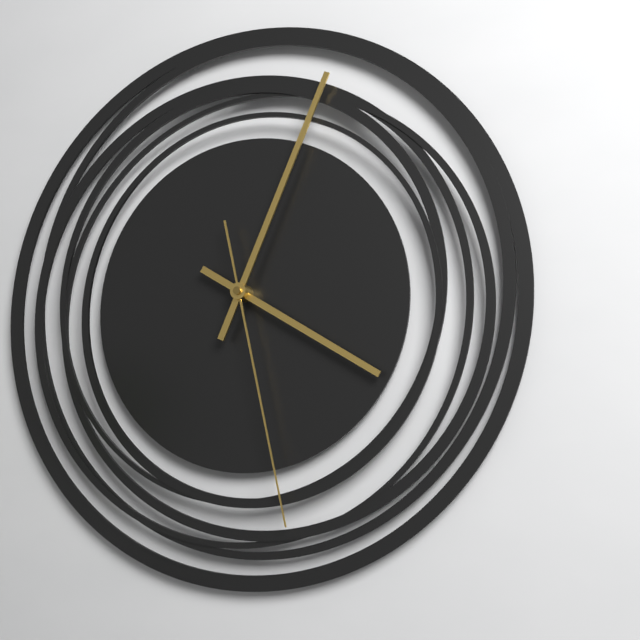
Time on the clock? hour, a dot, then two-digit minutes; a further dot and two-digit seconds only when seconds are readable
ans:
4.04.28
